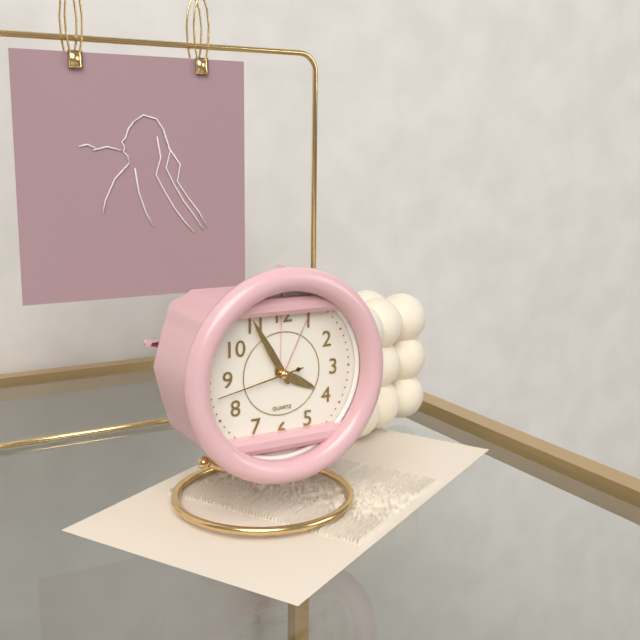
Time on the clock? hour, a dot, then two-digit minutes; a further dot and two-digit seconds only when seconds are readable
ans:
3.55.43
